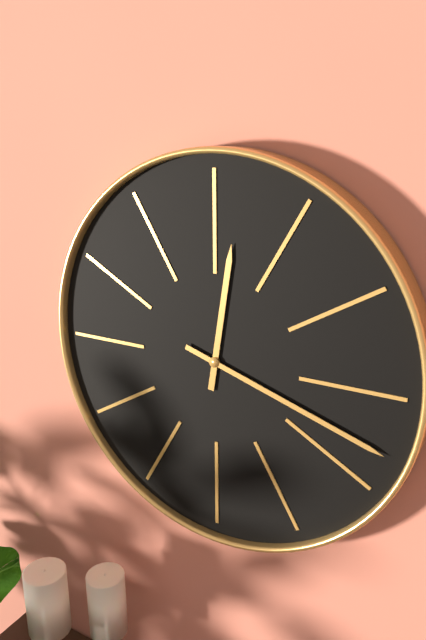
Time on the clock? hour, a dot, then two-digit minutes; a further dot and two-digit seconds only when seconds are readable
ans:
12.18
